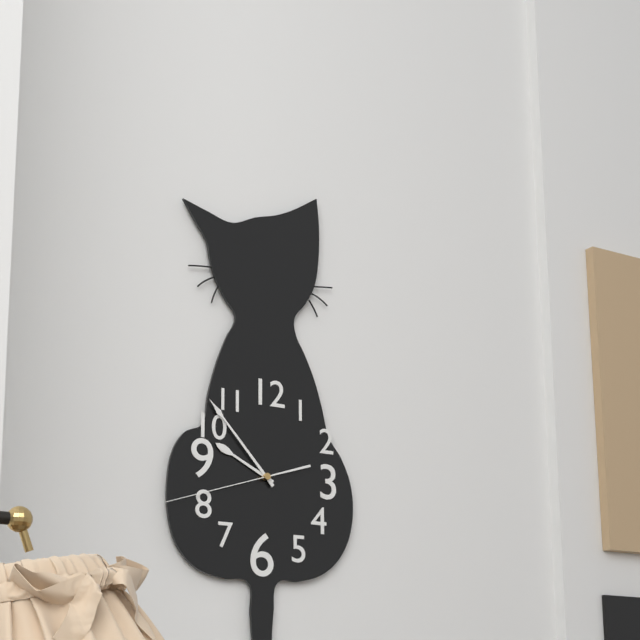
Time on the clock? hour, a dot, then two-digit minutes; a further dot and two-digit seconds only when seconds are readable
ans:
9.53.42
